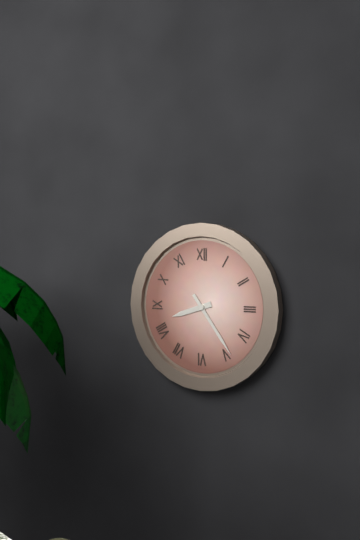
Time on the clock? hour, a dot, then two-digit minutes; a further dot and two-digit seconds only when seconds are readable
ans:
8.24
